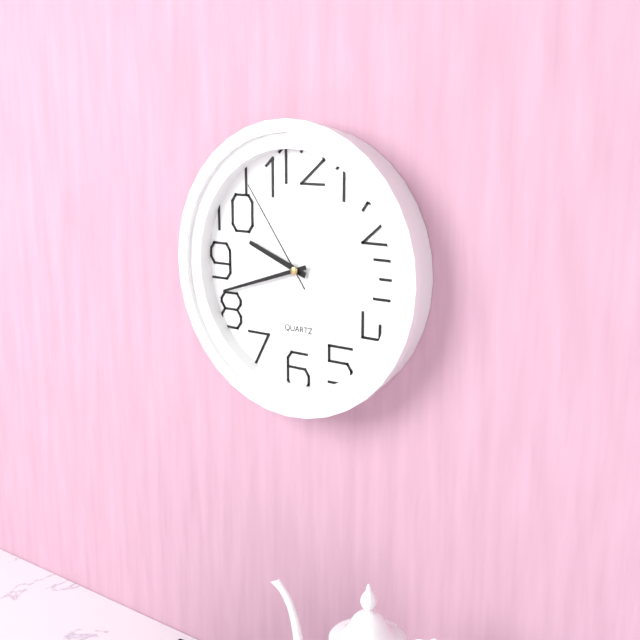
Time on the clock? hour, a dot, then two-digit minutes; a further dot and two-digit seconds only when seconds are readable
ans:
9.42.54
